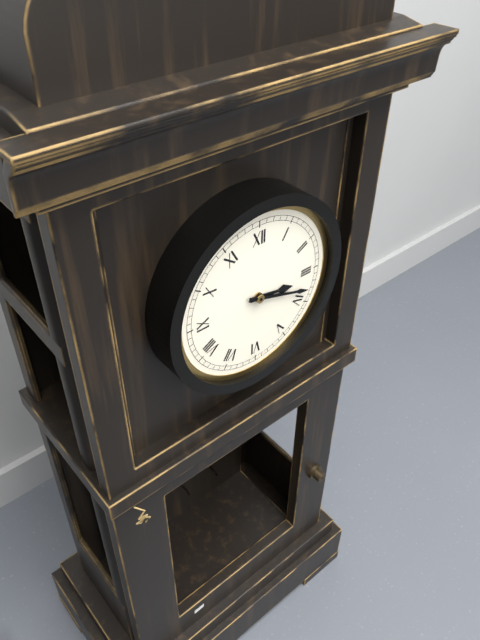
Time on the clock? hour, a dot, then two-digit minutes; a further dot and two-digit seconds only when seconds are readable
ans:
3.18
